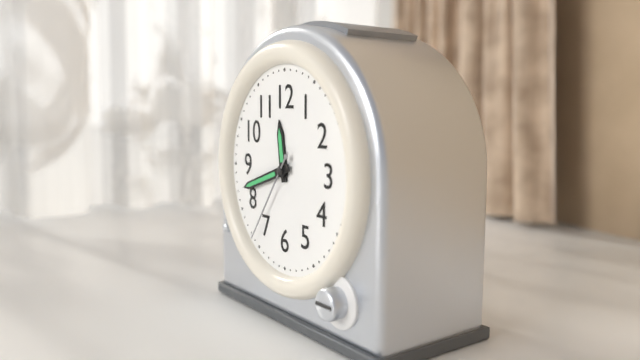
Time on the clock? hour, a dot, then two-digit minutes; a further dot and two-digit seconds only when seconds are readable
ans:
11.42.36
